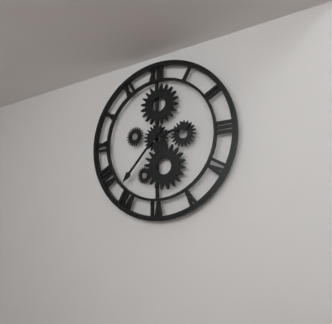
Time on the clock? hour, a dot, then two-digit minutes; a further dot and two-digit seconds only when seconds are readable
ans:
2.37
